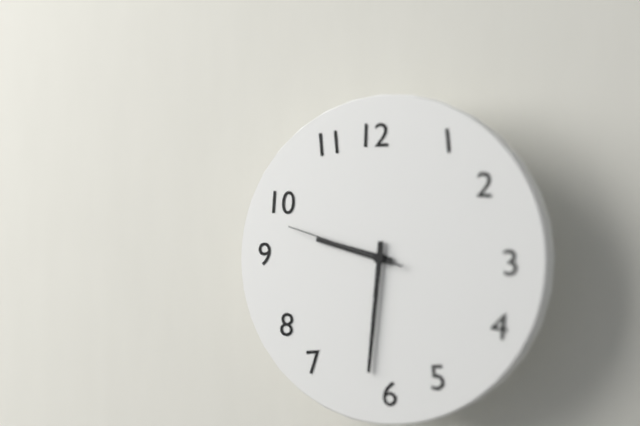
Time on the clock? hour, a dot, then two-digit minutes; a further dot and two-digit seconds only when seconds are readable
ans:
9.31.48
